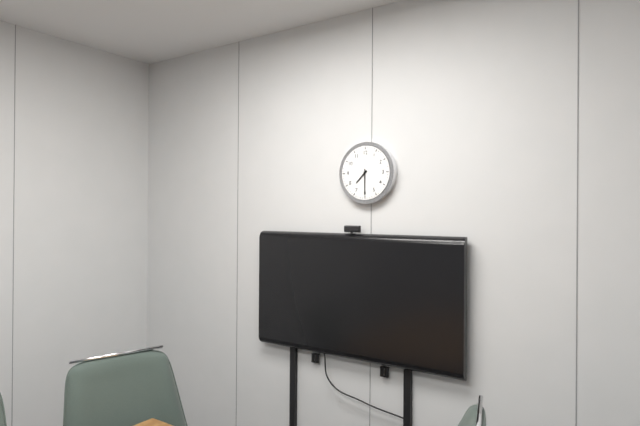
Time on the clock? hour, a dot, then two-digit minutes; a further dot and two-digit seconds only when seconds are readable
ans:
7.30
